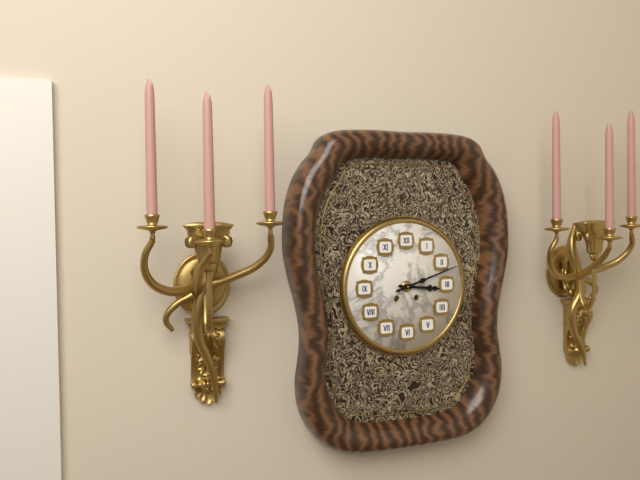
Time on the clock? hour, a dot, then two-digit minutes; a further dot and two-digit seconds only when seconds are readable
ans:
3.12
